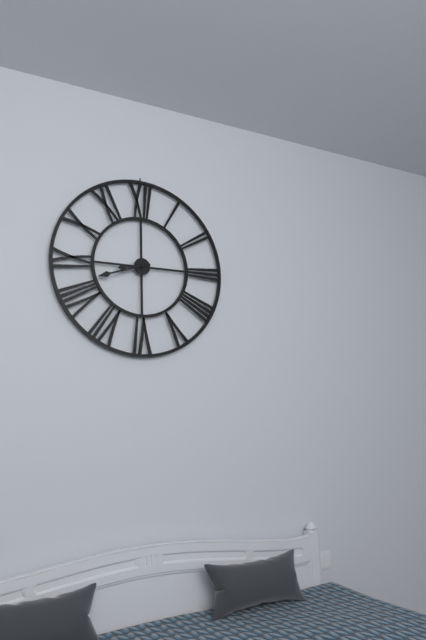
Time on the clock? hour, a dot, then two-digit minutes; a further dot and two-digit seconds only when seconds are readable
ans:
8.42
